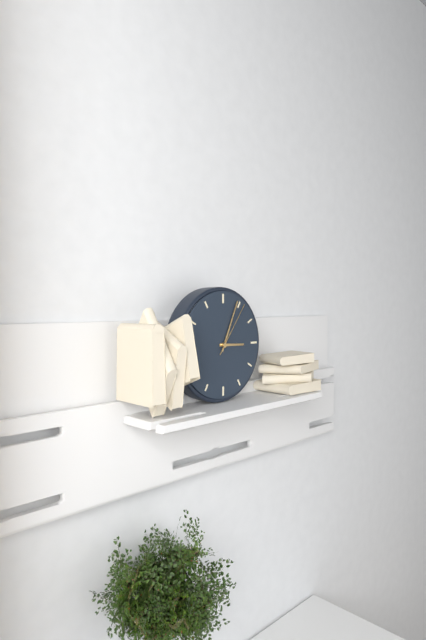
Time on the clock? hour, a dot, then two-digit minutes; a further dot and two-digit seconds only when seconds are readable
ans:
3.04.06
